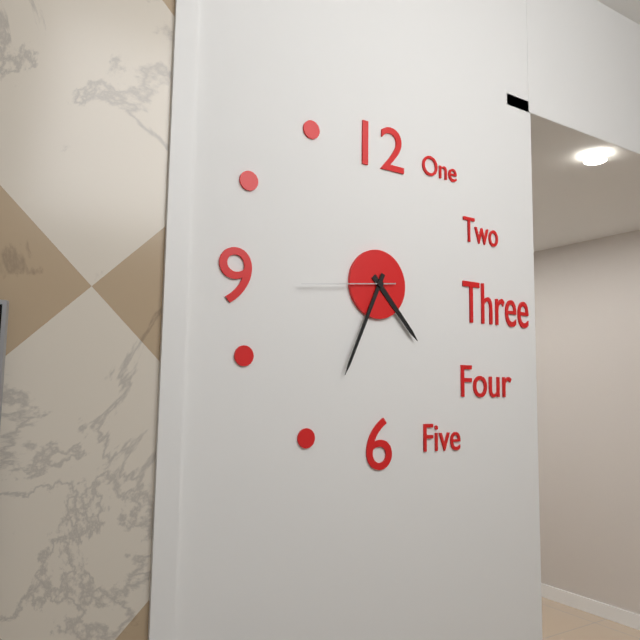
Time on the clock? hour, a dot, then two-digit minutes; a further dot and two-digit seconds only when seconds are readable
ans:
4.34.44
